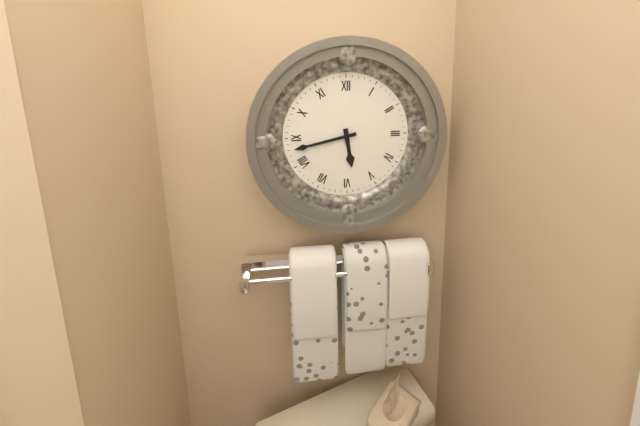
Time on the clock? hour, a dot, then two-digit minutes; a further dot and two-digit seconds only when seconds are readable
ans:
5.43
